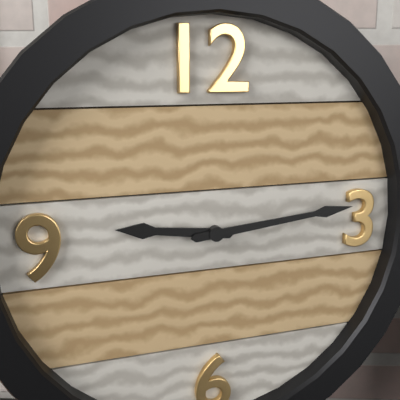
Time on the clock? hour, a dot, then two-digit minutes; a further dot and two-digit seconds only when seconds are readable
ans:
9.14
